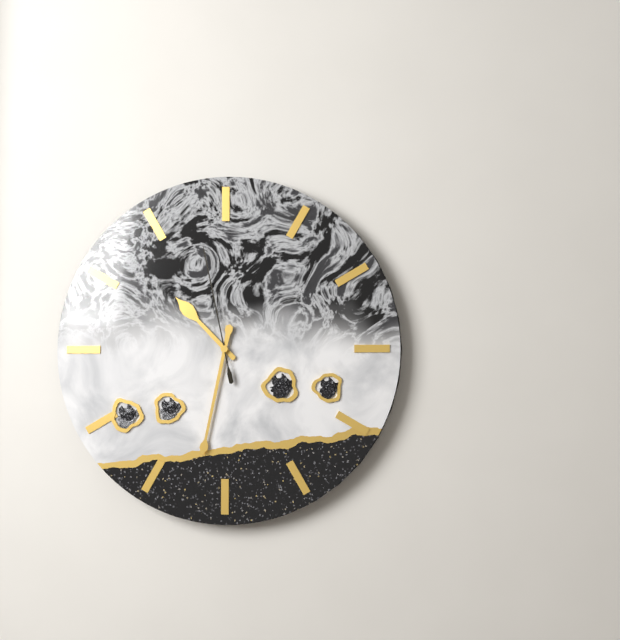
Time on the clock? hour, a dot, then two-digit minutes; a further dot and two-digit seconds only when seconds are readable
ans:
10.32.58
